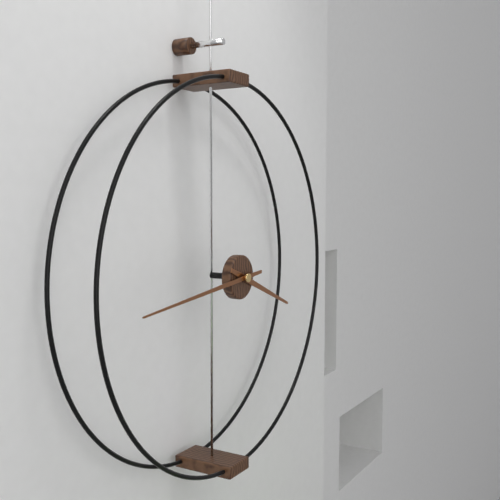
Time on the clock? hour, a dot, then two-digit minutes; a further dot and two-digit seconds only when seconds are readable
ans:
3.44
